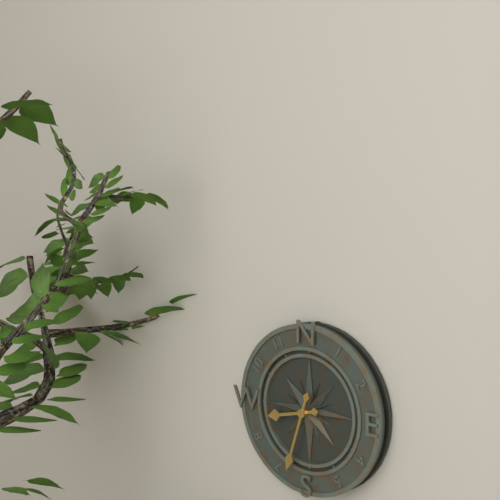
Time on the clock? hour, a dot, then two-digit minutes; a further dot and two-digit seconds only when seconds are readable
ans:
8.33
